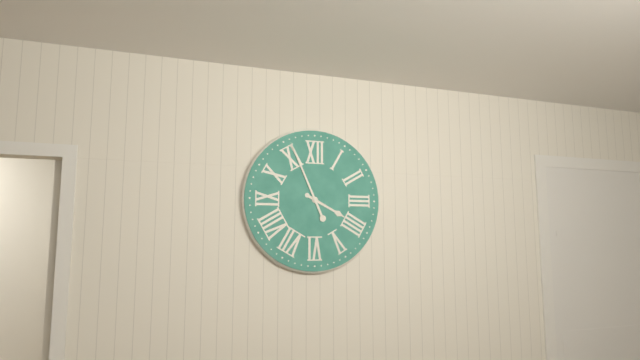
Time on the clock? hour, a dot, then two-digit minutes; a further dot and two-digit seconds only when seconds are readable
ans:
3.56
